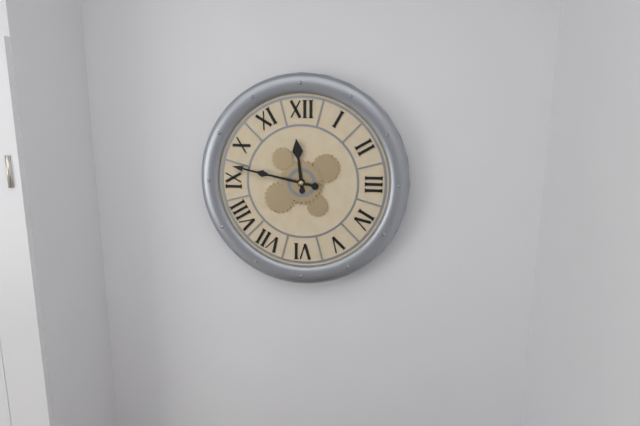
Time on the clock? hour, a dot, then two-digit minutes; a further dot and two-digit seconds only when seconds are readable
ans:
11.47
